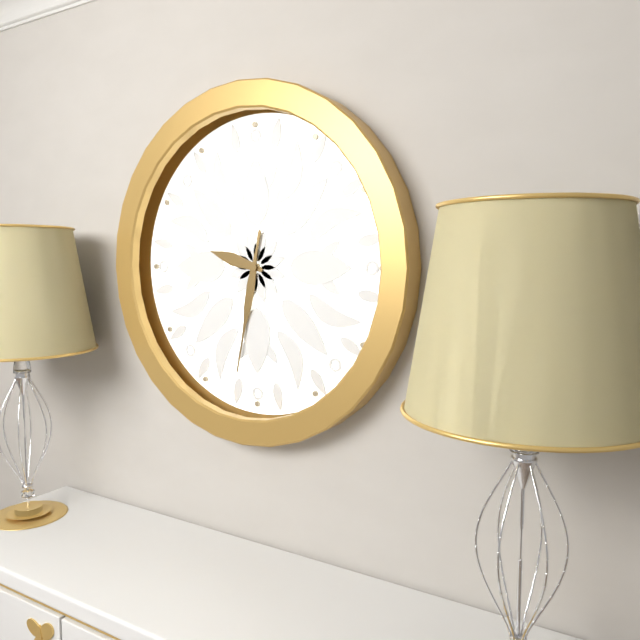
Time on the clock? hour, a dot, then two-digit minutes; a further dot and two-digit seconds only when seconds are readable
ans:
9.32
